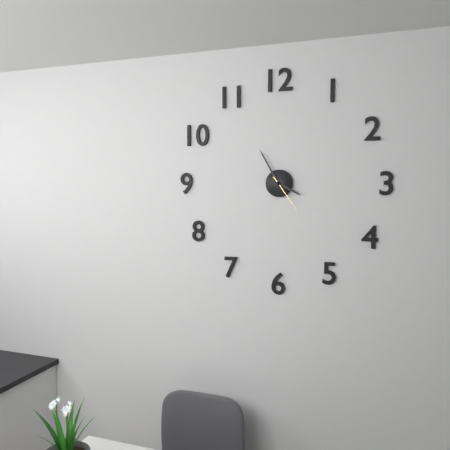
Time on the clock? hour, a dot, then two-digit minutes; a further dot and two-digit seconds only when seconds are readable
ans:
3.55
